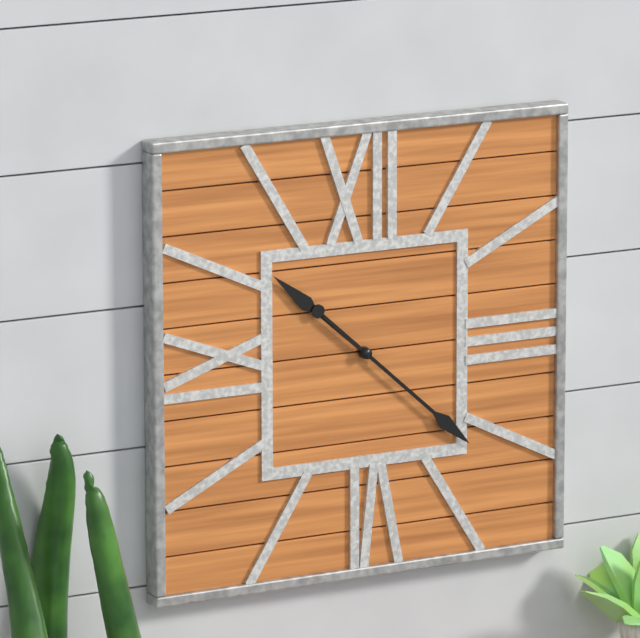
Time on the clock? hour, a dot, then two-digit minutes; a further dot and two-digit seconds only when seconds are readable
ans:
10.22
